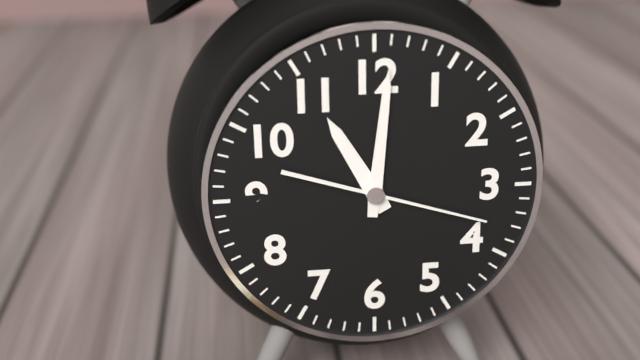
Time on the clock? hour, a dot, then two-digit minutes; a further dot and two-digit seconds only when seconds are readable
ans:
11.01.18
